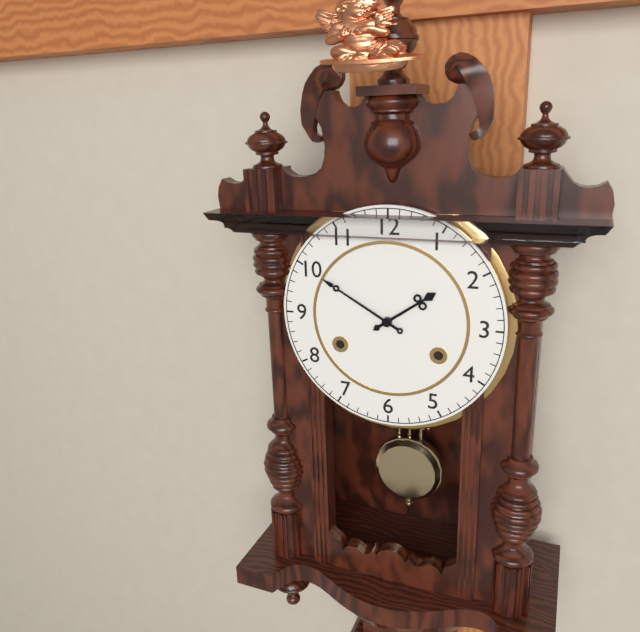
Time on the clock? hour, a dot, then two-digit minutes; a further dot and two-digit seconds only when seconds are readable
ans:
1.50
